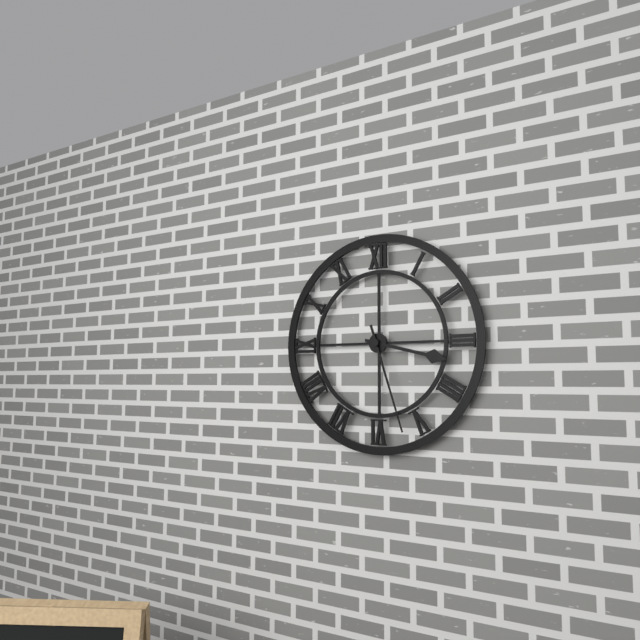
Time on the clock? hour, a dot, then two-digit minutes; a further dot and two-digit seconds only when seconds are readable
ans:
3.27
